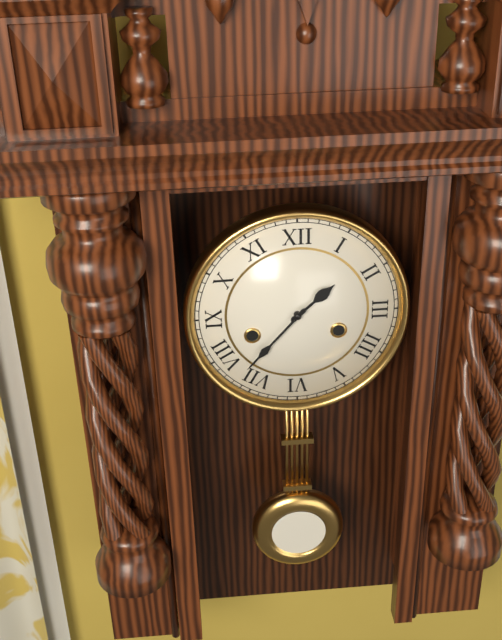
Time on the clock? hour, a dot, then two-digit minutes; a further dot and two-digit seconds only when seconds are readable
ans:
1.37
